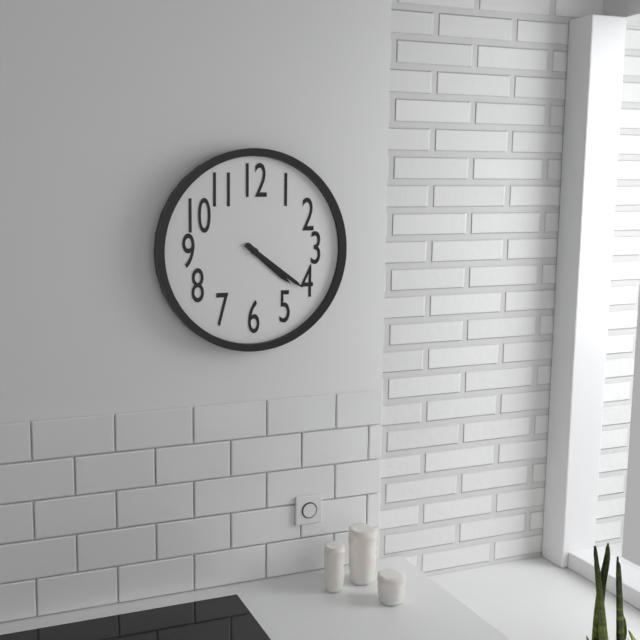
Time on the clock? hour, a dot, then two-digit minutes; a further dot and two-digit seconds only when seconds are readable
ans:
4.21
